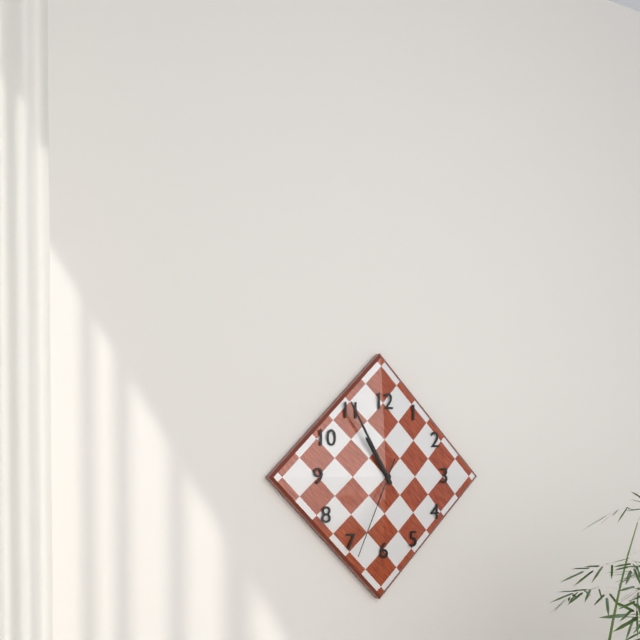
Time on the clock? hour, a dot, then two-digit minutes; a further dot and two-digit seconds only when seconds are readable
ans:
10.55.34
